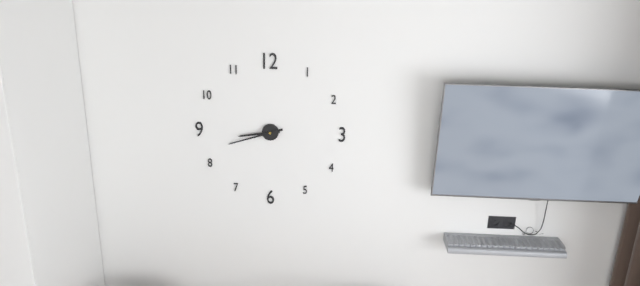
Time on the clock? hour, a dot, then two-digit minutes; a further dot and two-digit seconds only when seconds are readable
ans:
8.42
